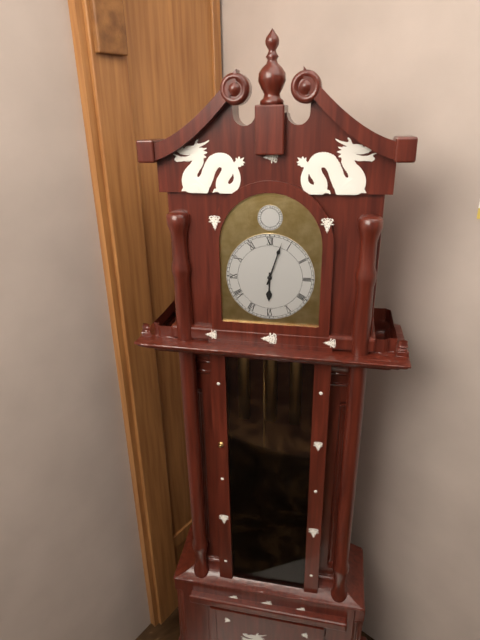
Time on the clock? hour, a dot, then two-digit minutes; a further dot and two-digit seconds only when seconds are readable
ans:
6.03
